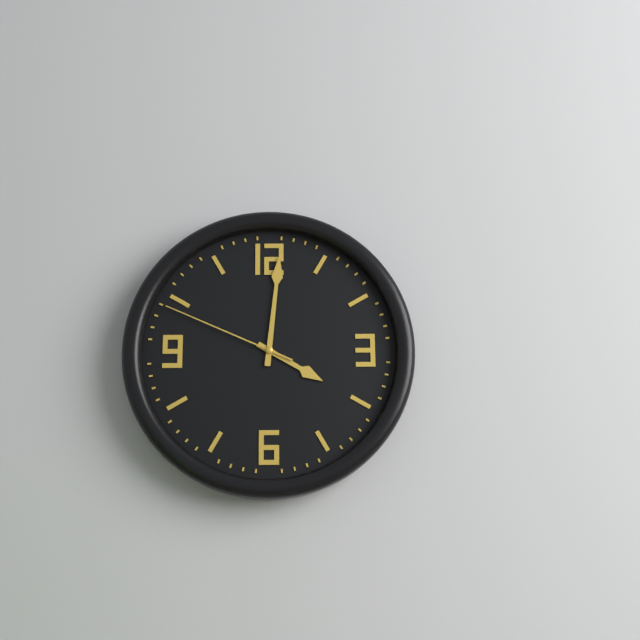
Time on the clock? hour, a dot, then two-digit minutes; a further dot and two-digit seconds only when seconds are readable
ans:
4.01.49
